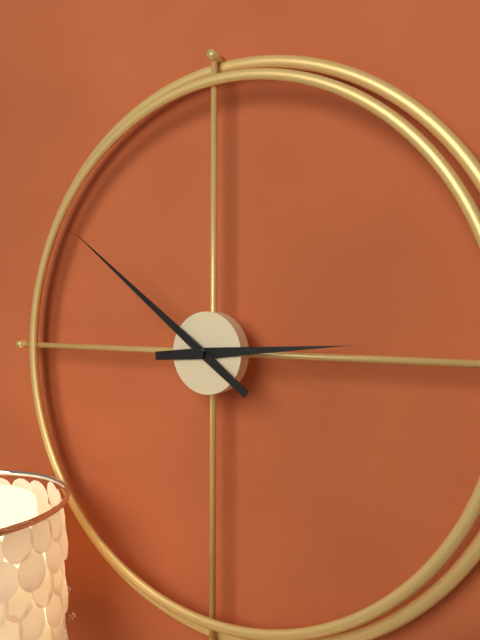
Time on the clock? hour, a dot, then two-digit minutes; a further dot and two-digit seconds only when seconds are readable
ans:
2.51
